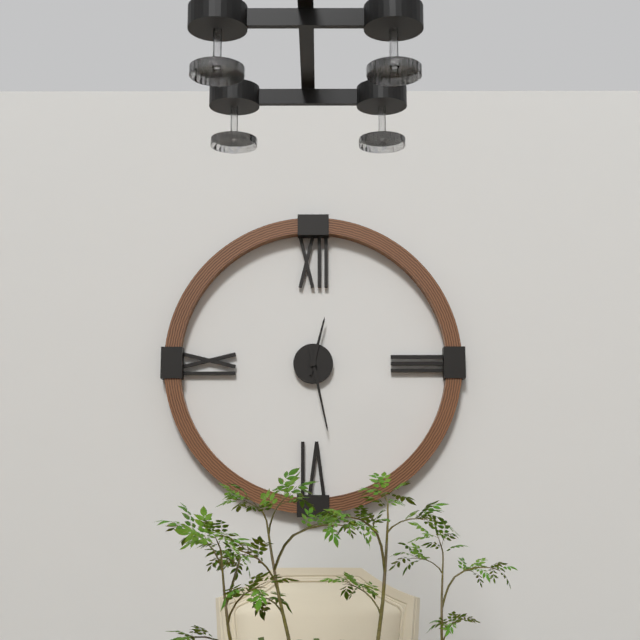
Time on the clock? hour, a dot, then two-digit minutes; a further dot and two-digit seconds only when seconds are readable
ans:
12.28
